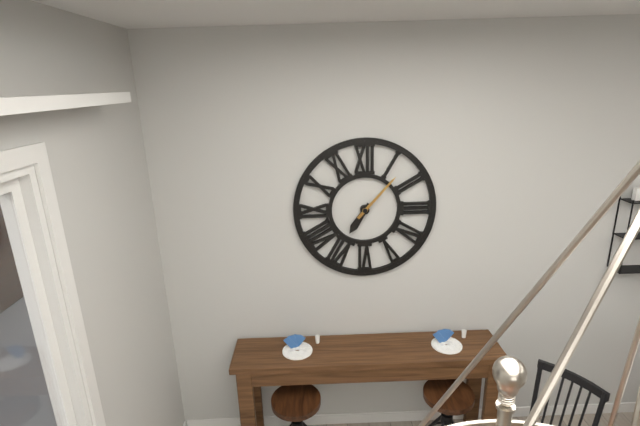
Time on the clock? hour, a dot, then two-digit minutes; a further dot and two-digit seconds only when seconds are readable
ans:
7.07
